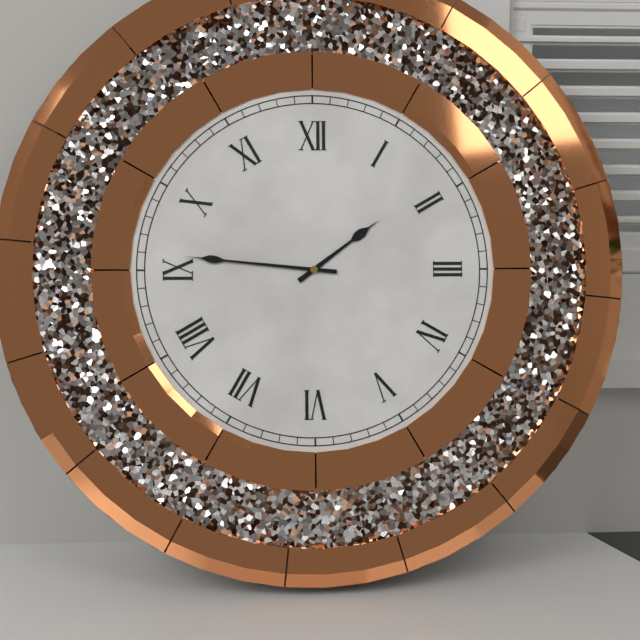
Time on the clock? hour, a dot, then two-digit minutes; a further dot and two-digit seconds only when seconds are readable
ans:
1.46
